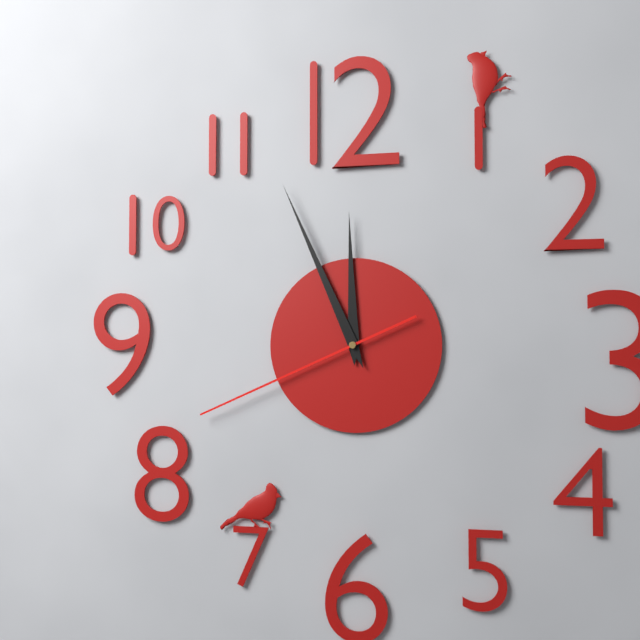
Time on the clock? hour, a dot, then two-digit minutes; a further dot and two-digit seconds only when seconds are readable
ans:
11.56.41
